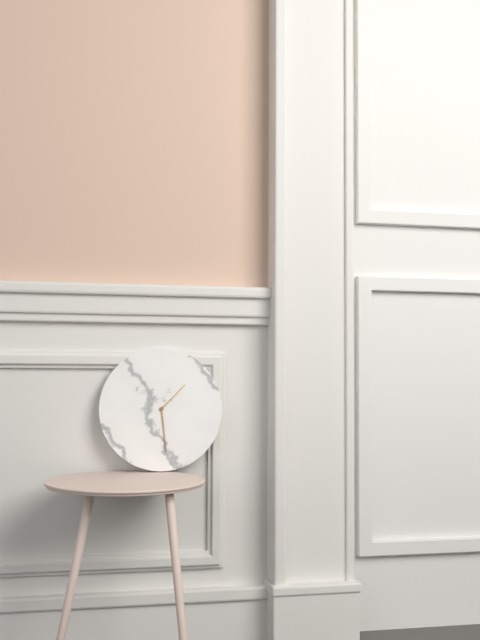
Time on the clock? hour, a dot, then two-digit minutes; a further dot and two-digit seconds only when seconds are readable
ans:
1.29
